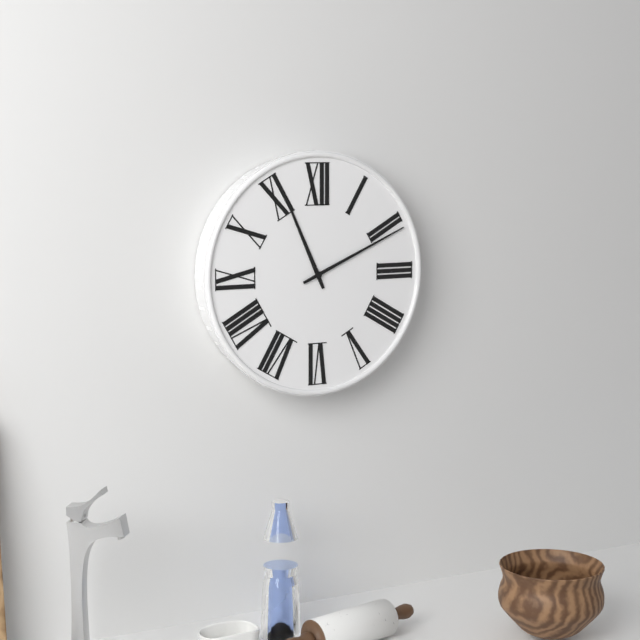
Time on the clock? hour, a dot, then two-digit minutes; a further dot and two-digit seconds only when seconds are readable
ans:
11.11
